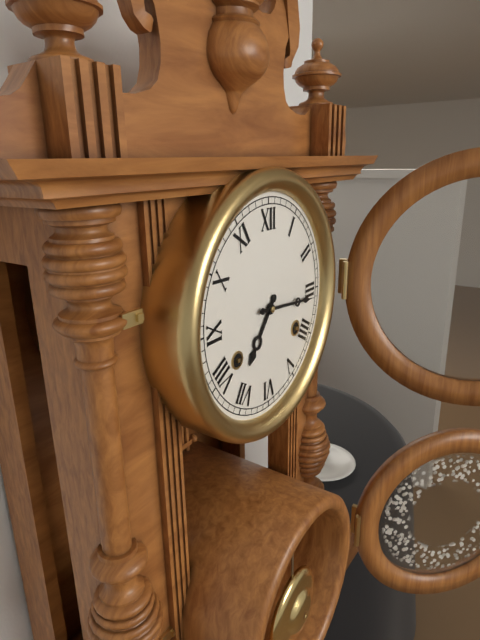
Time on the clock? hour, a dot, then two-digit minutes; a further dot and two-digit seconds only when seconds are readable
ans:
7.16
